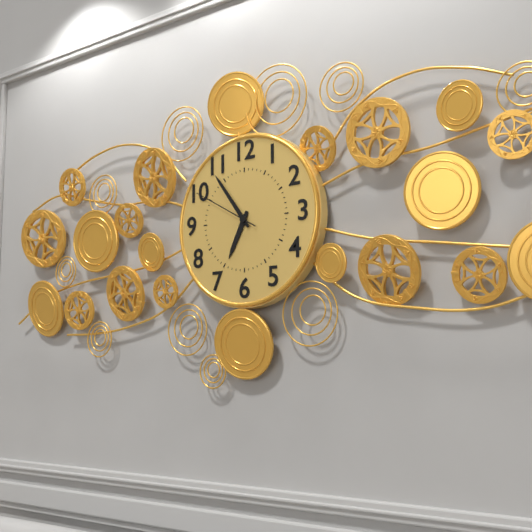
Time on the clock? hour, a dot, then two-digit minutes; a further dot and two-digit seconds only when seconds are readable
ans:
6.54.50
